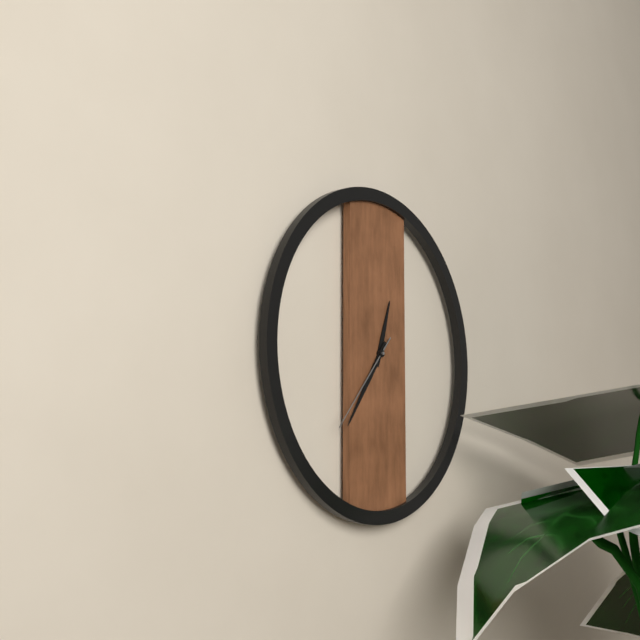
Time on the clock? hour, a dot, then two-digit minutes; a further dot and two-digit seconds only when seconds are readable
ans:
12.36.37
